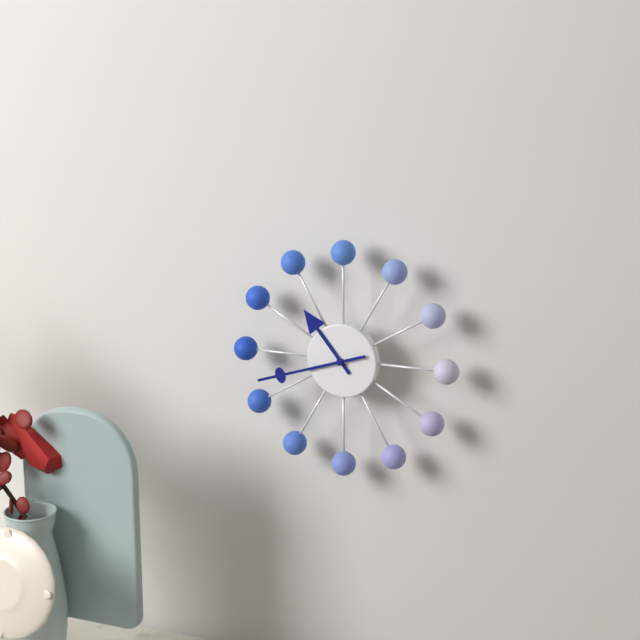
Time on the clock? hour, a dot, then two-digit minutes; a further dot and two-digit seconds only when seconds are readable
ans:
10.42
